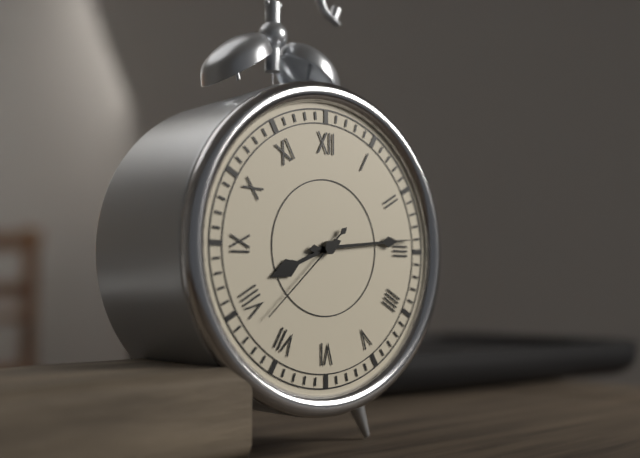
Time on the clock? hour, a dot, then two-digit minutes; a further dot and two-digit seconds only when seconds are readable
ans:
8.14.38
